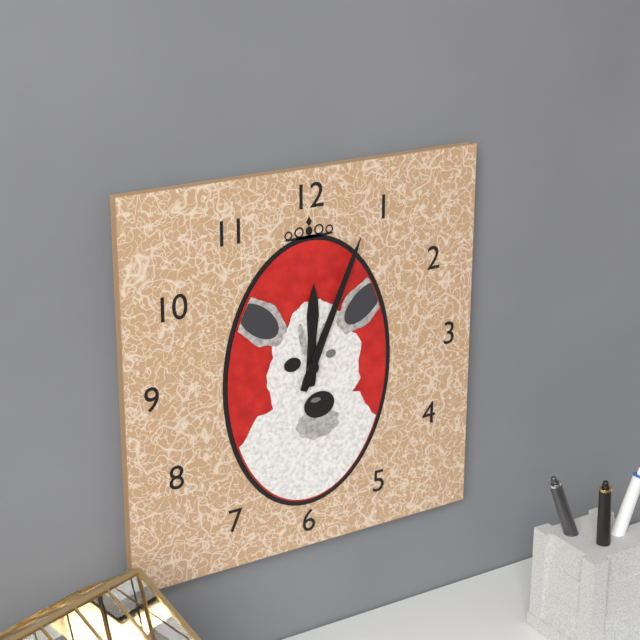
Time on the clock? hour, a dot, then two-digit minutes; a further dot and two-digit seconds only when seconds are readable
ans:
12.04
